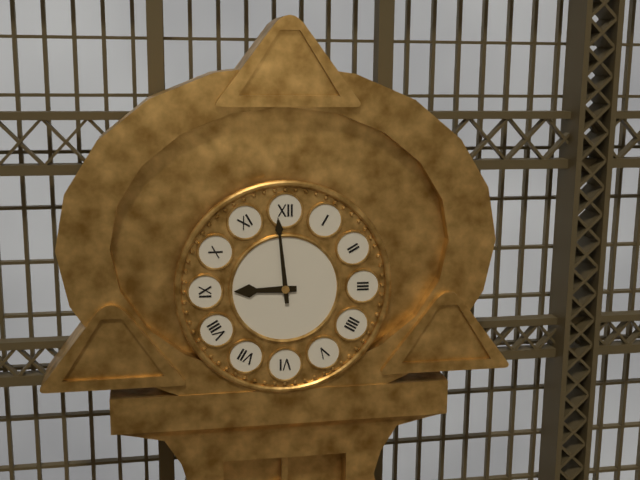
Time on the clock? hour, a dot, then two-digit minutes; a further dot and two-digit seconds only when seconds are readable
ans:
8.59
